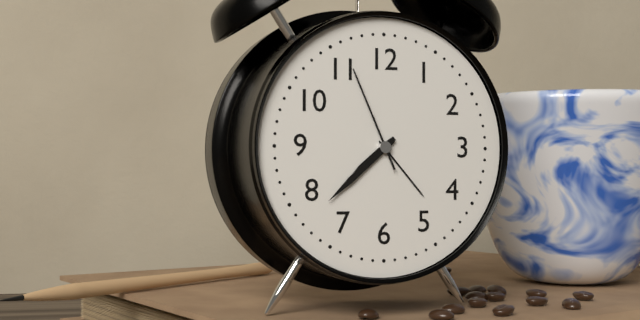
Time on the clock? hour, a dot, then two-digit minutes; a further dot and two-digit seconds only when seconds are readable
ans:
7.38.56
